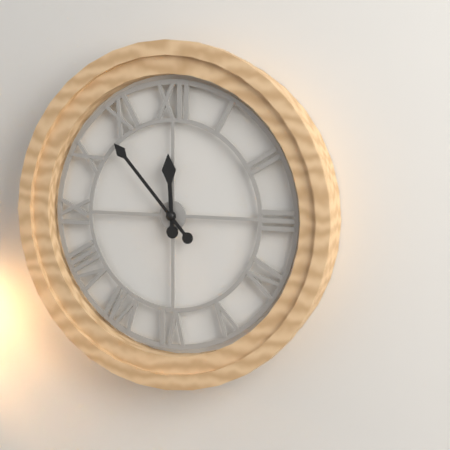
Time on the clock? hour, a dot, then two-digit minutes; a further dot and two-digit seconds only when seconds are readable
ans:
11.53
